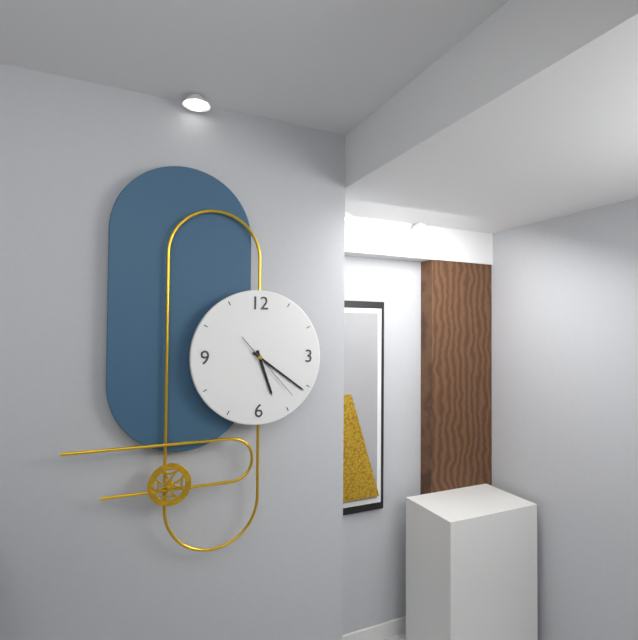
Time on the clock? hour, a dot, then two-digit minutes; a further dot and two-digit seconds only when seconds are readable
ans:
5.21.23
